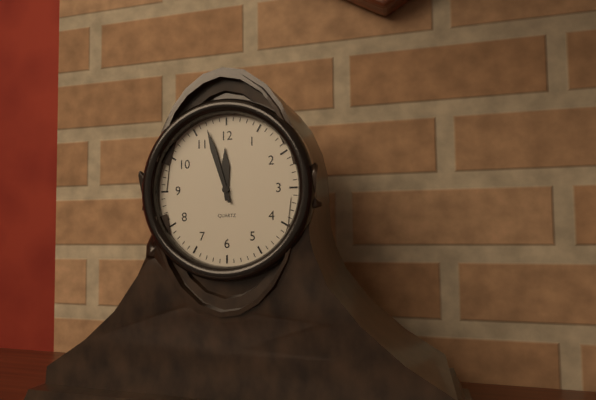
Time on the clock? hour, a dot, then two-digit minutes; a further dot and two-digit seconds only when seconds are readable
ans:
11.57
